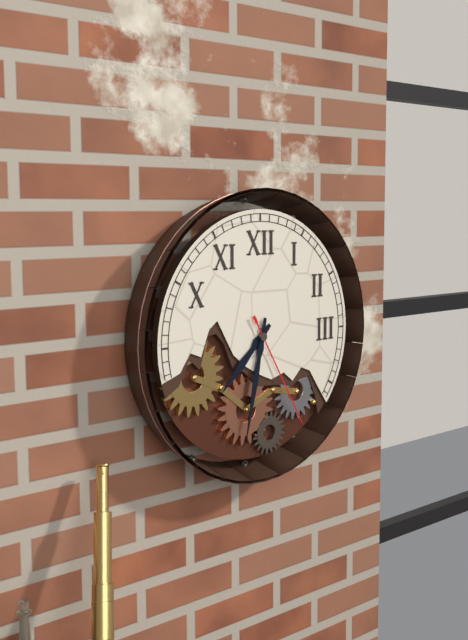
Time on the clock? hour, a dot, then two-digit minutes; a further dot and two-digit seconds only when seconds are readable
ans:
7.32.25
